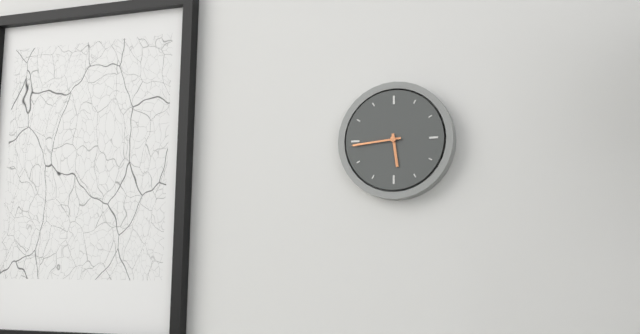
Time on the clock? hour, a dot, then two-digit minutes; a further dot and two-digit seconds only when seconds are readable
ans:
5.44
